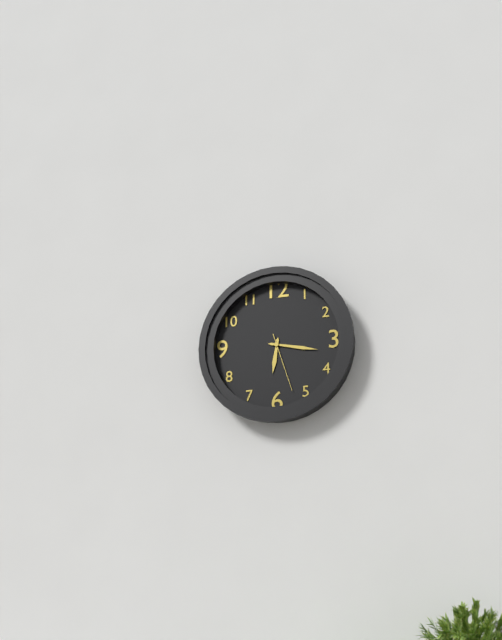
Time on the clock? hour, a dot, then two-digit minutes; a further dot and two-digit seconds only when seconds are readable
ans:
6.17.27
